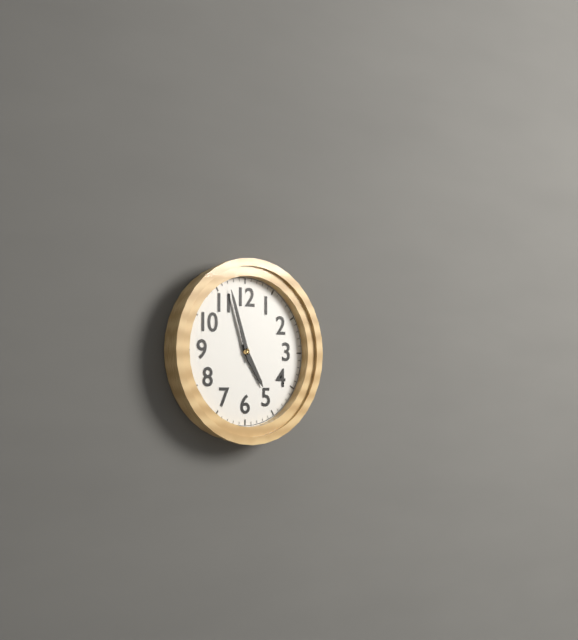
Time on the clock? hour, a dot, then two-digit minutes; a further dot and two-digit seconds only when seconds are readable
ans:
4.57
